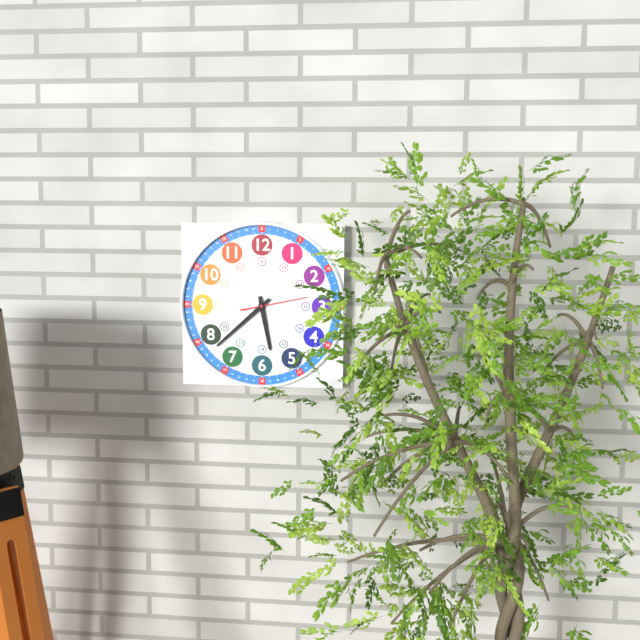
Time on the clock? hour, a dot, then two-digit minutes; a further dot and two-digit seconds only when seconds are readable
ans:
5.38.13
